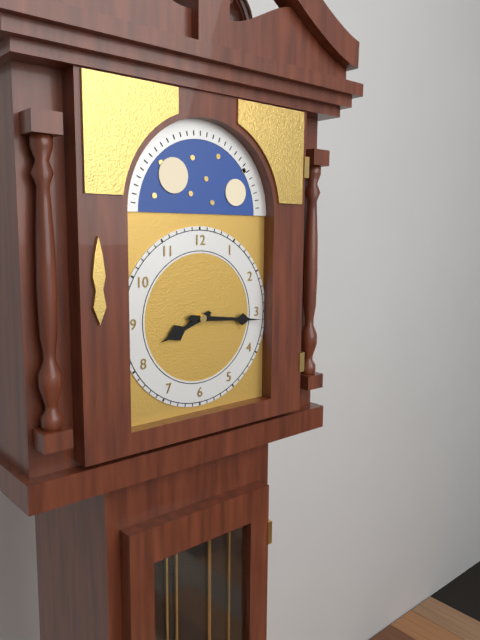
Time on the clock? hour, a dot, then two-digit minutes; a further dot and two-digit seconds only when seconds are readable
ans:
8.16
